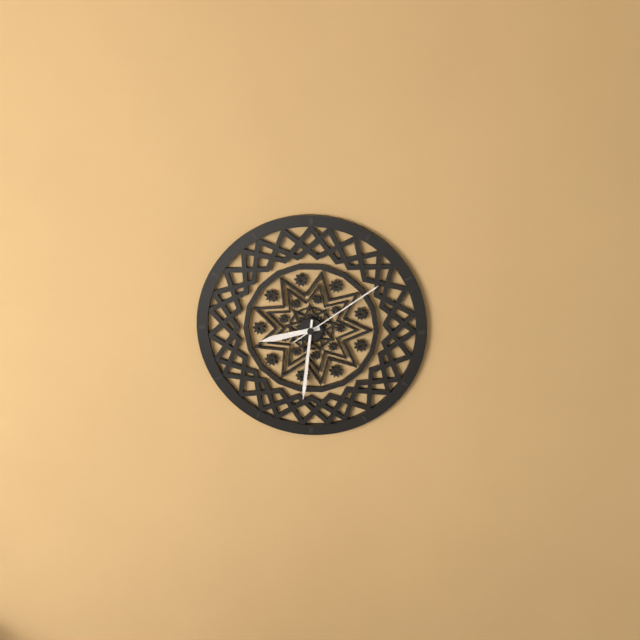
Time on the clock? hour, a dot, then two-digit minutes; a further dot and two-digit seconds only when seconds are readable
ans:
8.31.09
